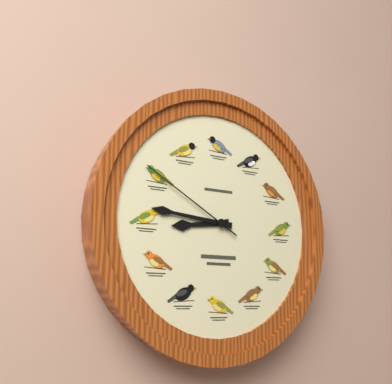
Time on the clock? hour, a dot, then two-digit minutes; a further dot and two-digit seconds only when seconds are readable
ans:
8.46.50
